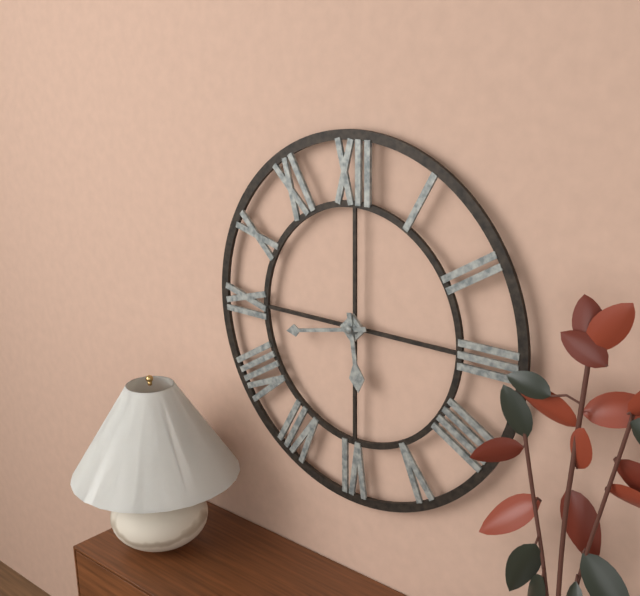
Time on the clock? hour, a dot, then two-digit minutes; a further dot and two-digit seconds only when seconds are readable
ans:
5.43
